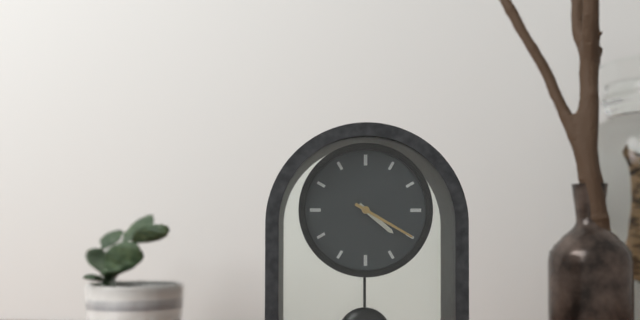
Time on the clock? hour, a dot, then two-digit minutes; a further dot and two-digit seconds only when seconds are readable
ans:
4.20
